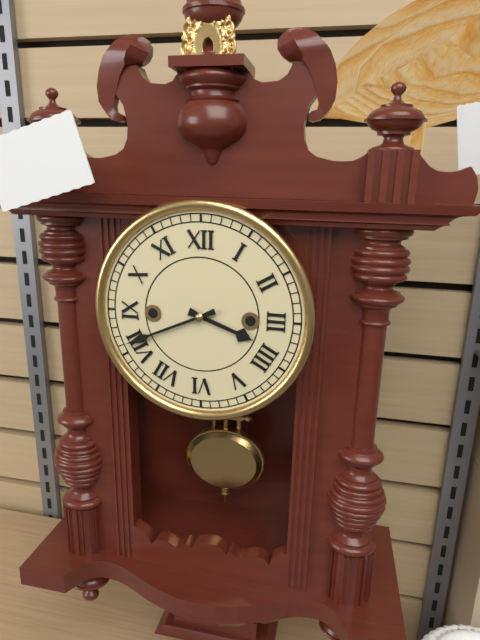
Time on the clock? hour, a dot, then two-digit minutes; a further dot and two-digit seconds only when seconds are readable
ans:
3.41
